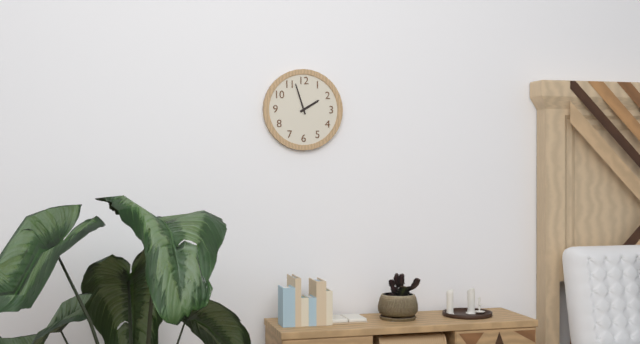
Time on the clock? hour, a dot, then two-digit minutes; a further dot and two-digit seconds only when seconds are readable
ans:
1.57
